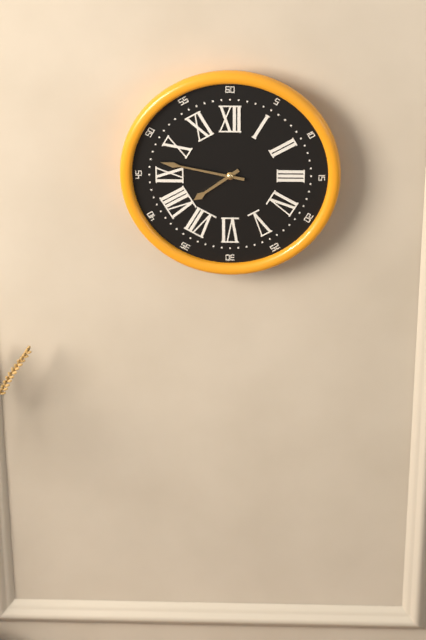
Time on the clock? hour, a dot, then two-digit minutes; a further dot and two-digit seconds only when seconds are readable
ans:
7.47
